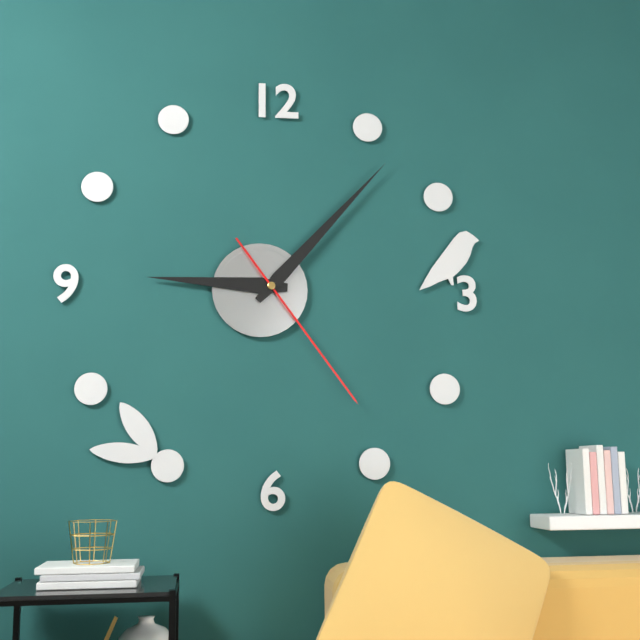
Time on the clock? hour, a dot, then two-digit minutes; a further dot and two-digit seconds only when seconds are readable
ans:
9.07.24
